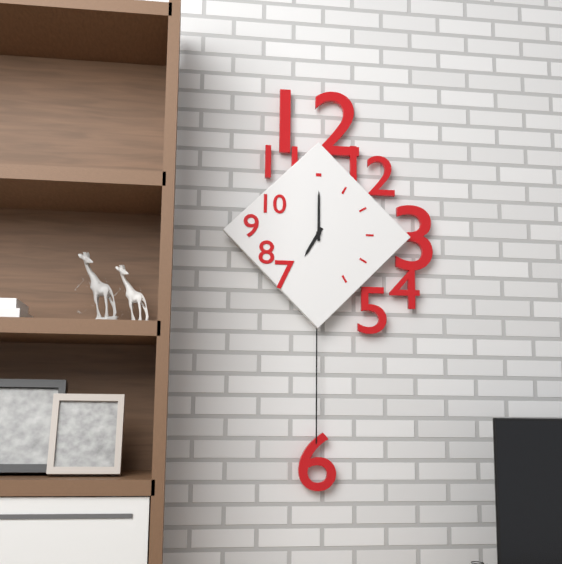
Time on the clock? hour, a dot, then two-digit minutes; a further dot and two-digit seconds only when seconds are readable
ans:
7.00
